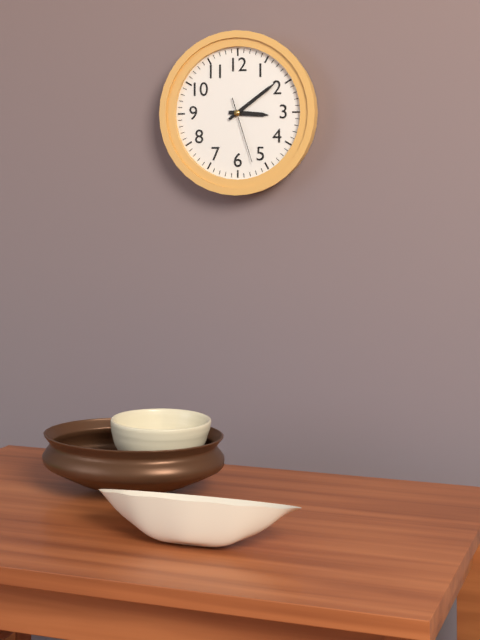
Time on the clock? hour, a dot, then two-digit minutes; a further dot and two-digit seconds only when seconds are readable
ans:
3.09.27
